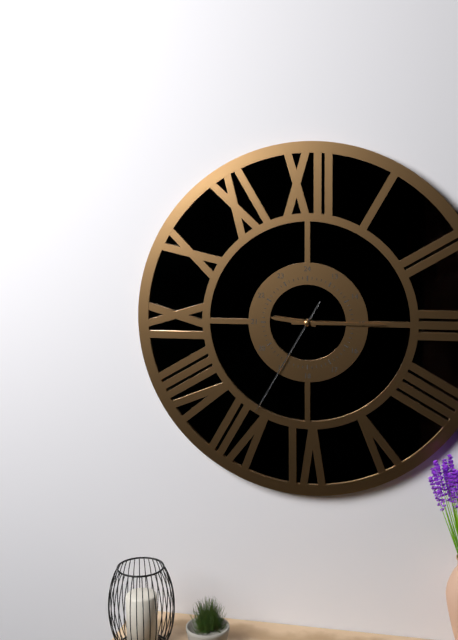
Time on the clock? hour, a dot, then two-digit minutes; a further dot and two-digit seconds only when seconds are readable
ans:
9.15.35
